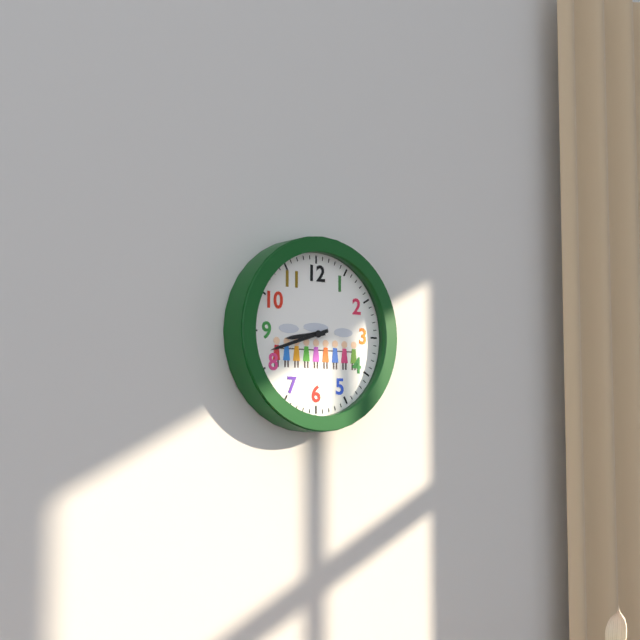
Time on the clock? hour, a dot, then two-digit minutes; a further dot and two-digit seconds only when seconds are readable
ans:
8.42
